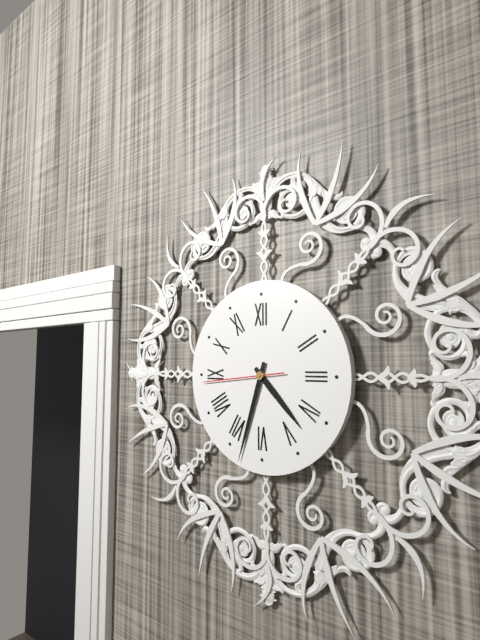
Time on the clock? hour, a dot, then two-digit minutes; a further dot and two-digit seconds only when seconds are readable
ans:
4.33.44
